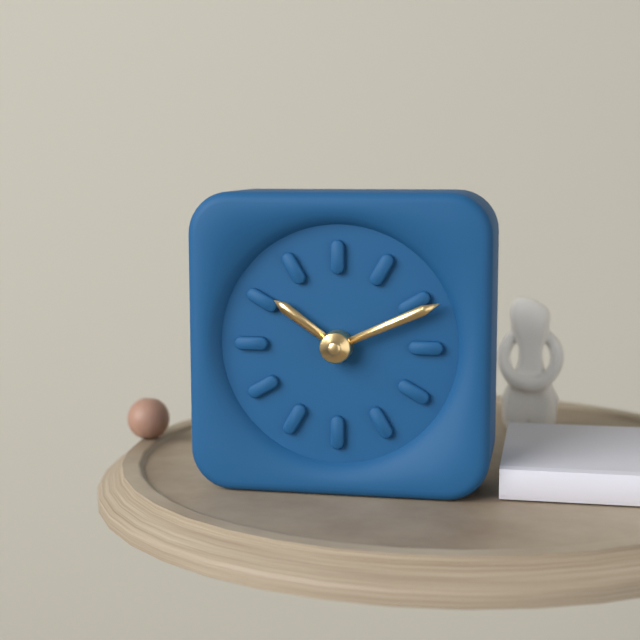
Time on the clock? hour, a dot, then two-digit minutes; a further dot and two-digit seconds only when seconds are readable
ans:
10.11
